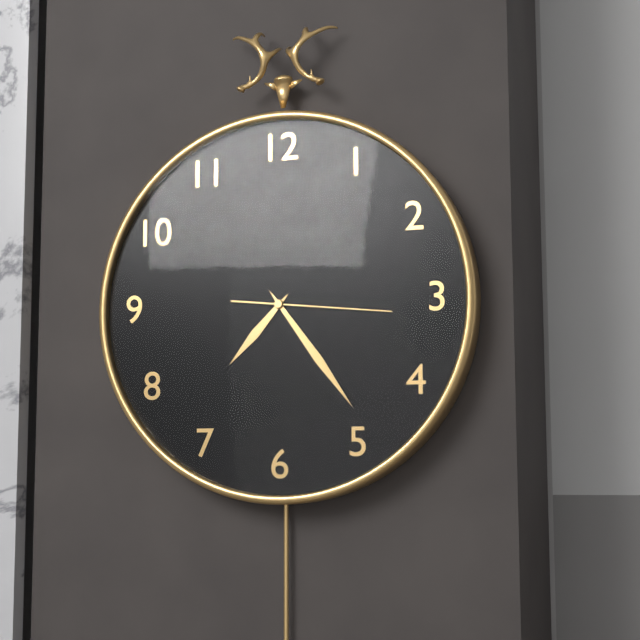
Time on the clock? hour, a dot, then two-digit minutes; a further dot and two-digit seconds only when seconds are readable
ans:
7.24.16
